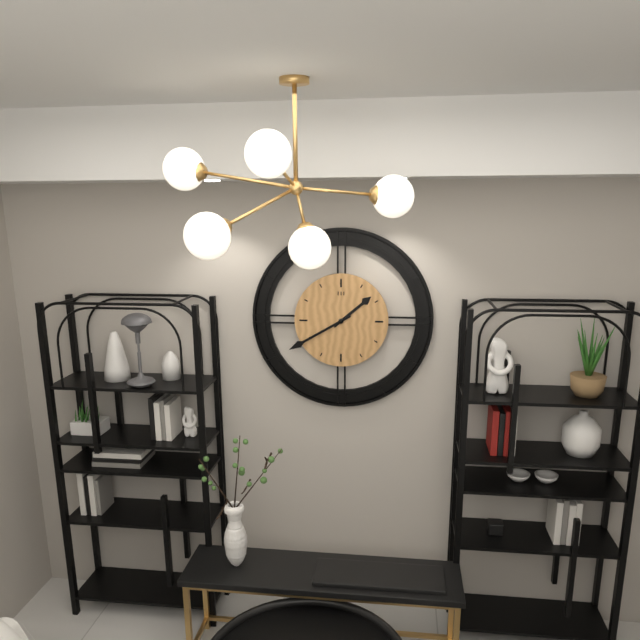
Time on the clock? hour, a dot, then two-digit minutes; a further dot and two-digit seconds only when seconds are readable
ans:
1.40
